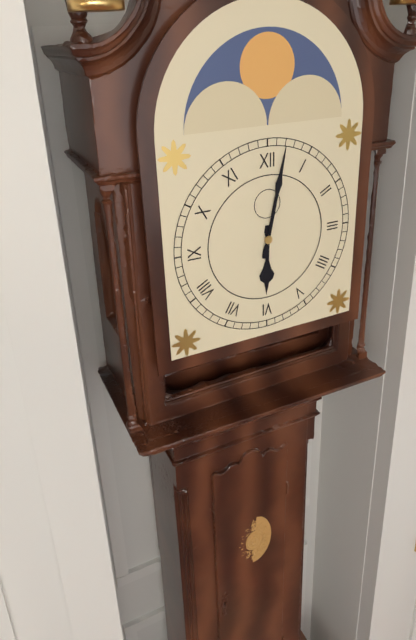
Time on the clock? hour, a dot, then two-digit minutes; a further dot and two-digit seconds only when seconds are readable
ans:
6.02
